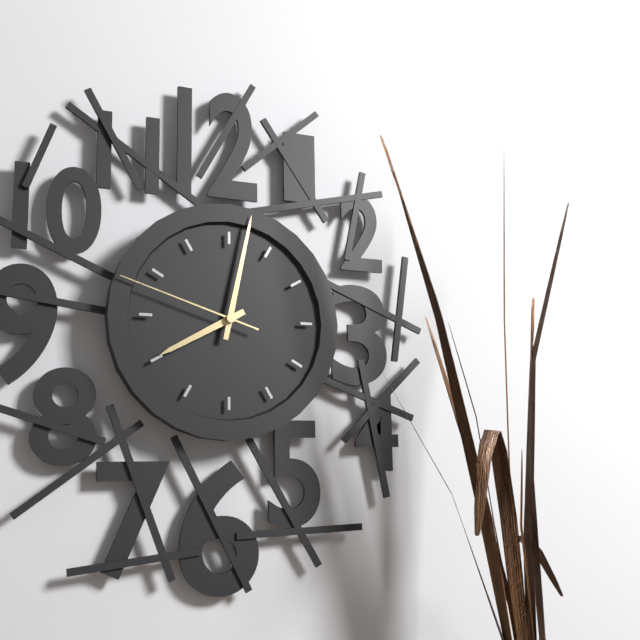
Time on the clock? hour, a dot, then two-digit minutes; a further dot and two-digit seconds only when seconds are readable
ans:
8.02.48
